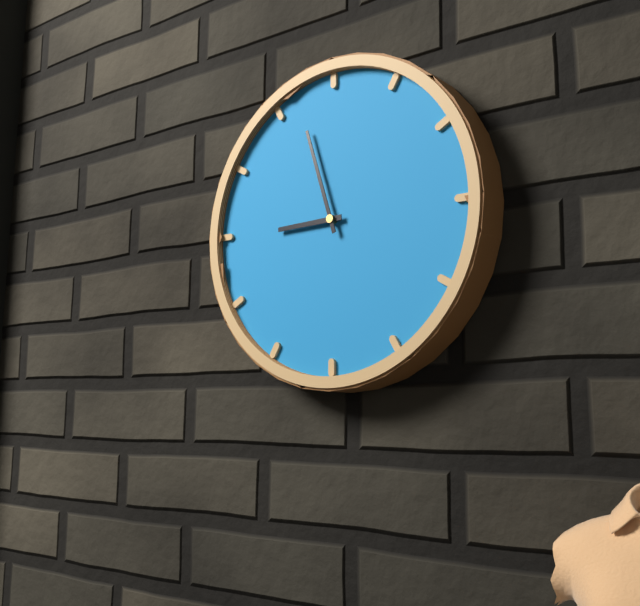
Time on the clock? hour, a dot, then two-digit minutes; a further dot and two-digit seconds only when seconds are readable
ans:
8.57
